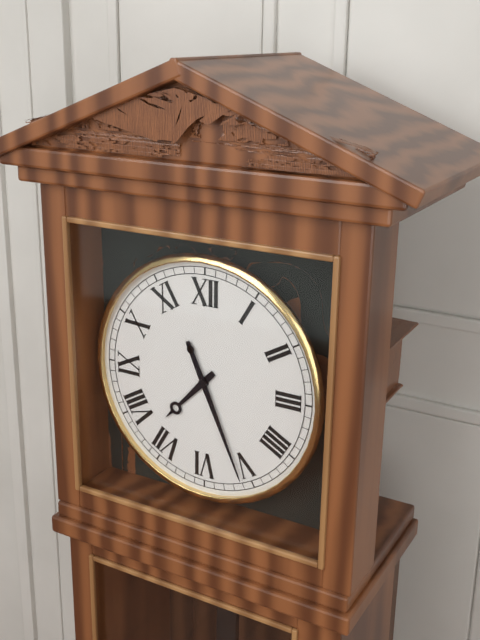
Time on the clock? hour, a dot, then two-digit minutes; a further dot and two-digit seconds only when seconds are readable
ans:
7.26
